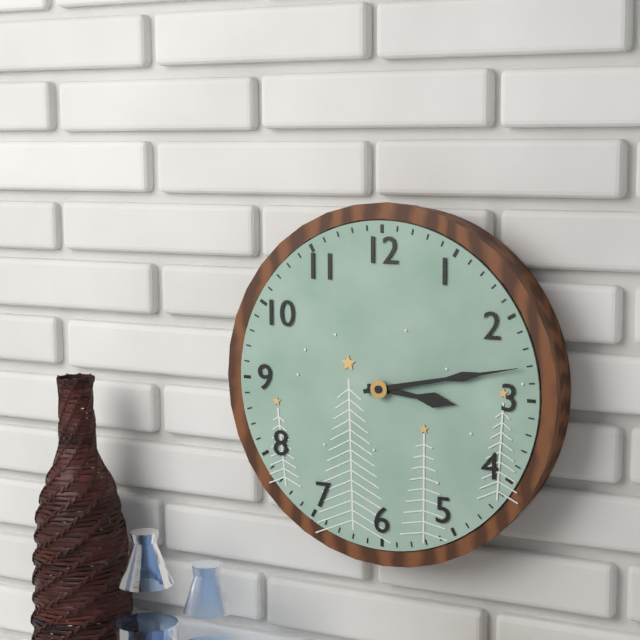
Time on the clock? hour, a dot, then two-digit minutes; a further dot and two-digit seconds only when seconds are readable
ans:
3.13
